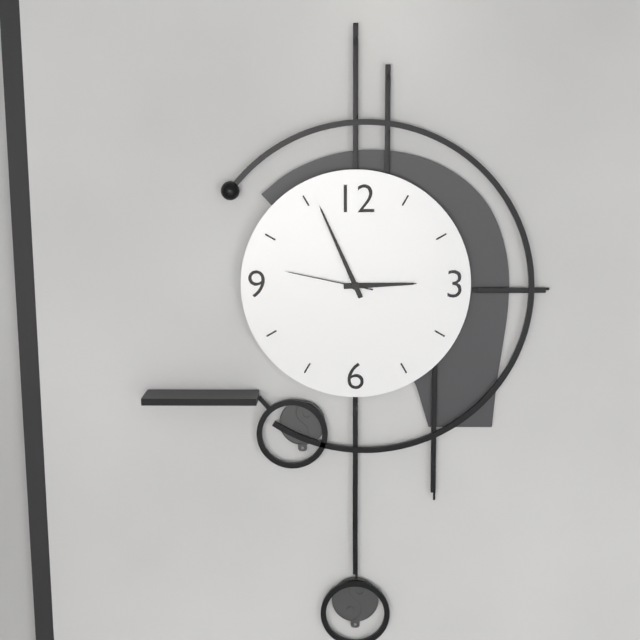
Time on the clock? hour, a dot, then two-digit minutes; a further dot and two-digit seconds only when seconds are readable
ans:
2.56.47
